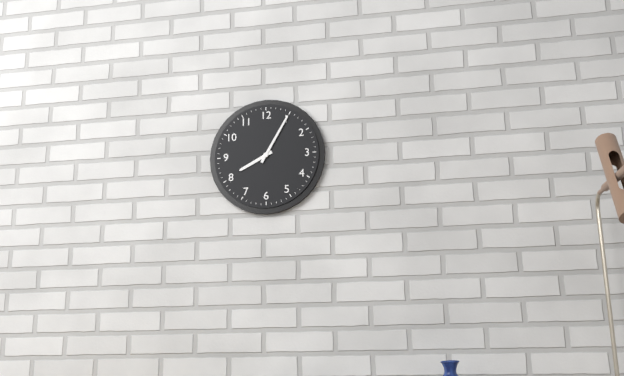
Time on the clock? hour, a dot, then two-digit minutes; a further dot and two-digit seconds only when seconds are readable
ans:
8.05
